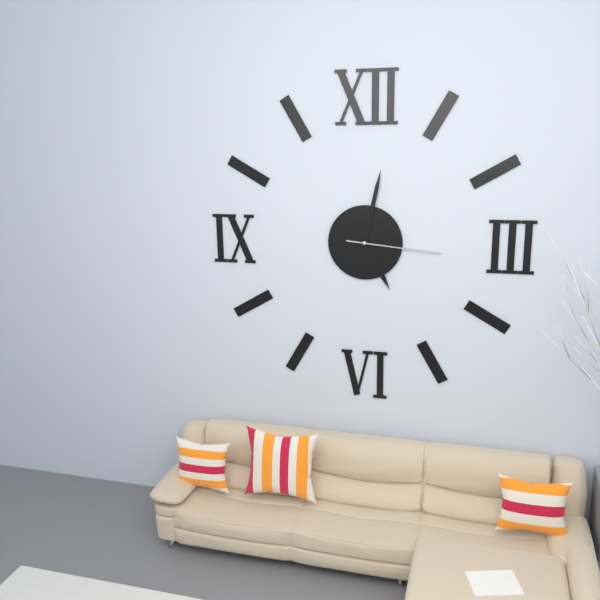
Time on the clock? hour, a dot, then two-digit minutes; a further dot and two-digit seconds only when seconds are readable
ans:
5.02.16
